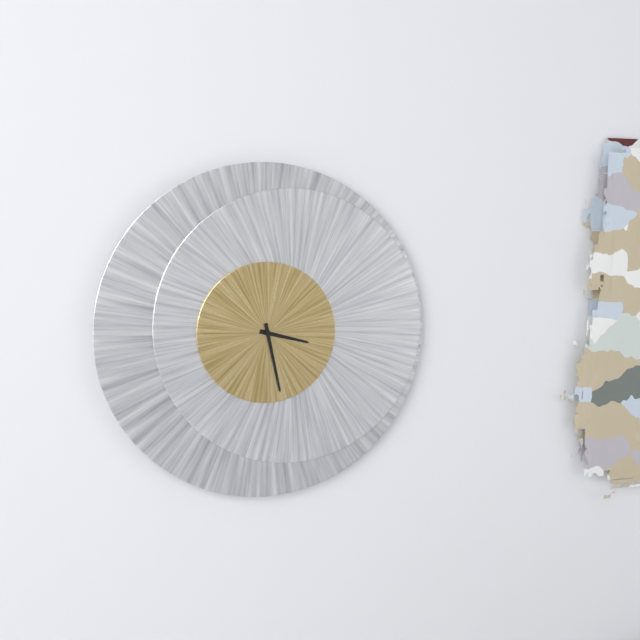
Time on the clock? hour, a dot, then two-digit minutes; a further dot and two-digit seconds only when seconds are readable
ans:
3.28
